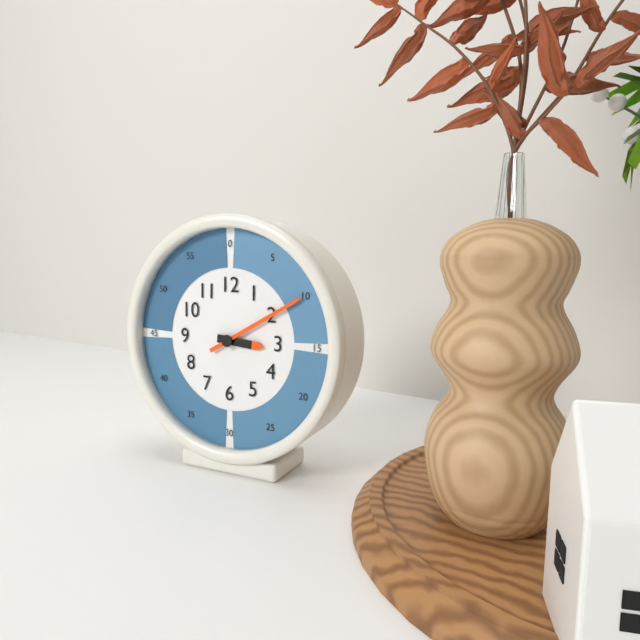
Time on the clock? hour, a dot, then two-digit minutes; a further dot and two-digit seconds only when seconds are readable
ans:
3.10
